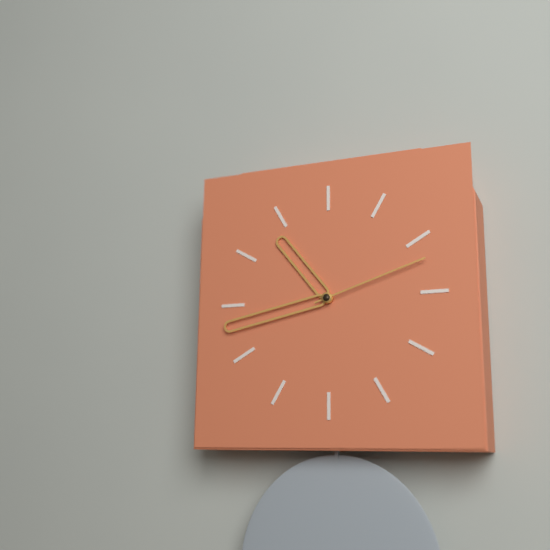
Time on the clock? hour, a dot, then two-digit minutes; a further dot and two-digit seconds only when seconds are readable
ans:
10.43.12
